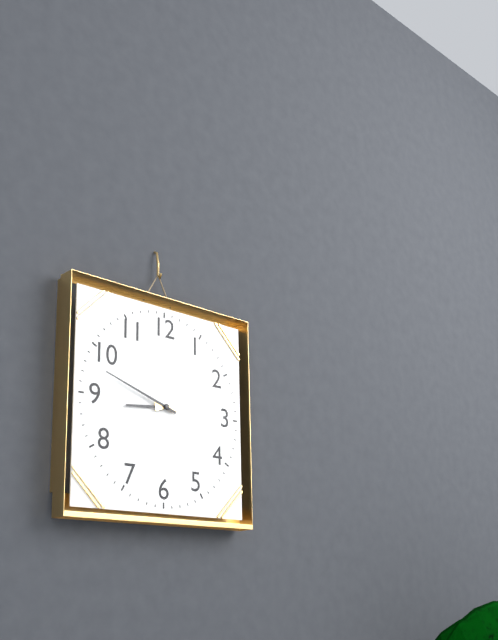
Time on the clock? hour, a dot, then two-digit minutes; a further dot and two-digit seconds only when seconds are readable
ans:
8.48
